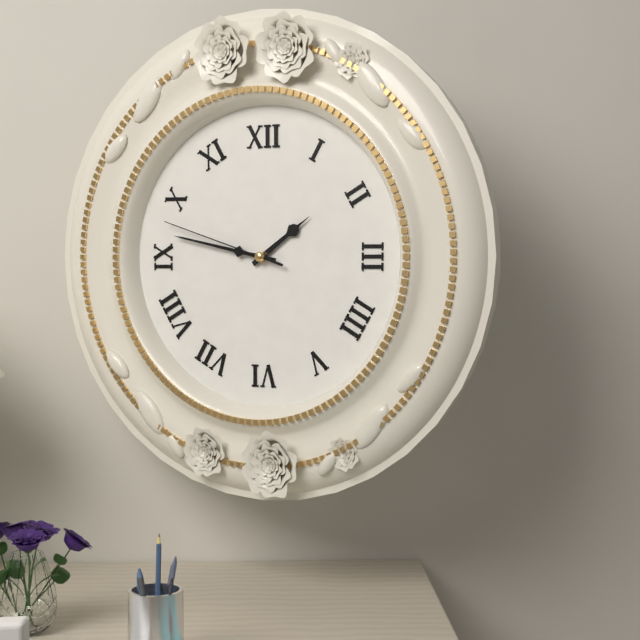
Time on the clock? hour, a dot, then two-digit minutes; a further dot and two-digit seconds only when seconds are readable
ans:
1.47.48
